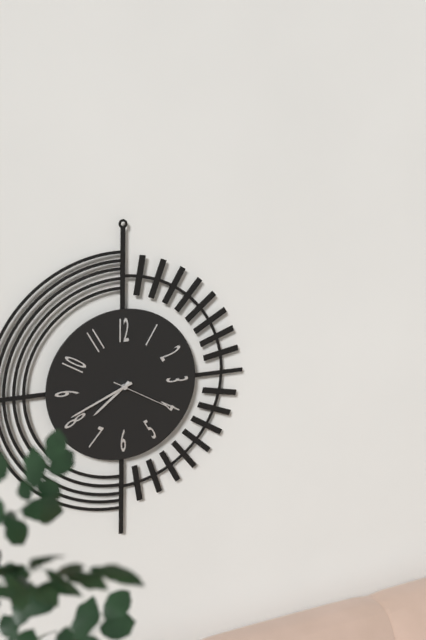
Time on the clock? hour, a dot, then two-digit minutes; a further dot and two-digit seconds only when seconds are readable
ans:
7.41.20
